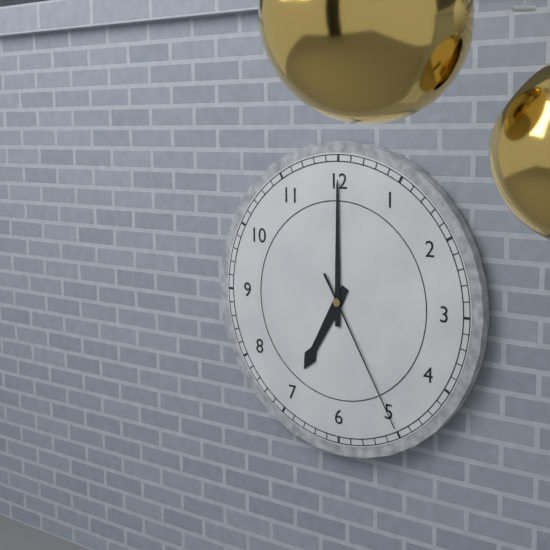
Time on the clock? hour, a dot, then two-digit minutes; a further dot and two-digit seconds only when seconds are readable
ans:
7.00.25
